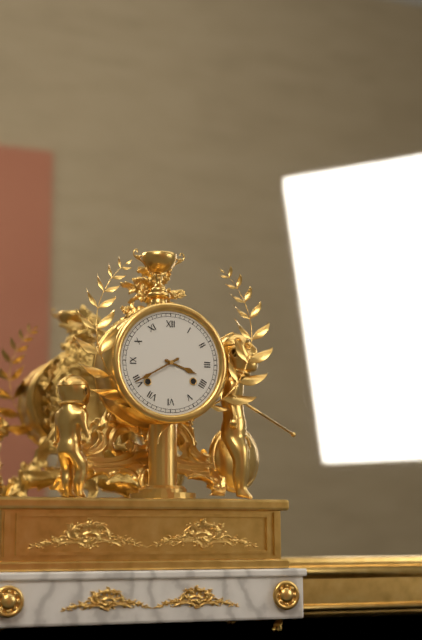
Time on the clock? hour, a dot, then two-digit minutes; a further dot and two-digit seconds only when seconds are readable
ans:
3.40
